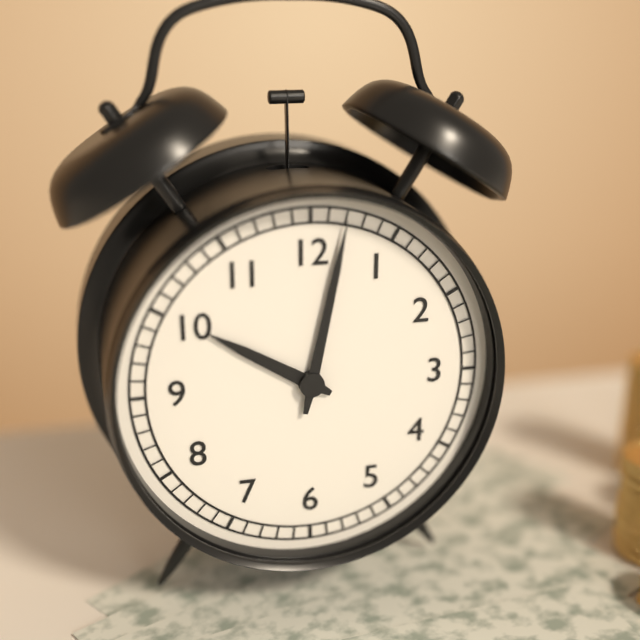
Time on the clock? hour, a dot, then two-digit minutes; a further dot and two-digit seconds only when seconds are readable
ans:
10.02
